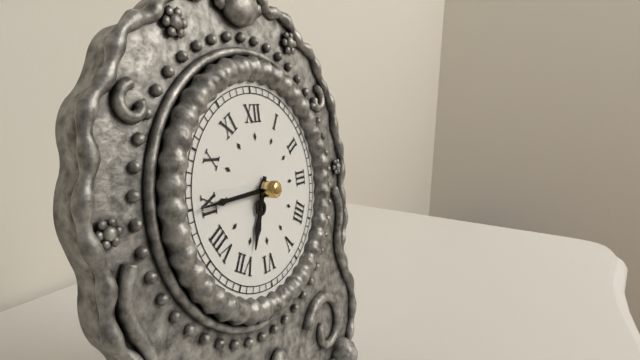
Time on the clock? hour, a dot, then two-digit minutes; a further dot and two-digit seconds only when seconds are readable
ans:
6.45
